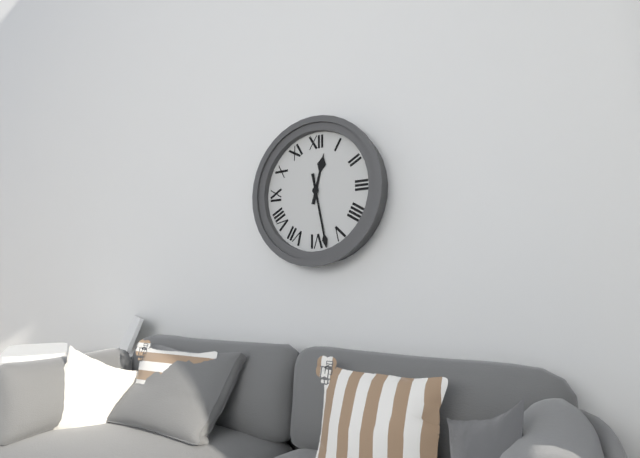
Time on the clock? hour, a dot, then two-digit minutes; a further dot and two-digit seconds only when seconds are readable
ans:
12.28
